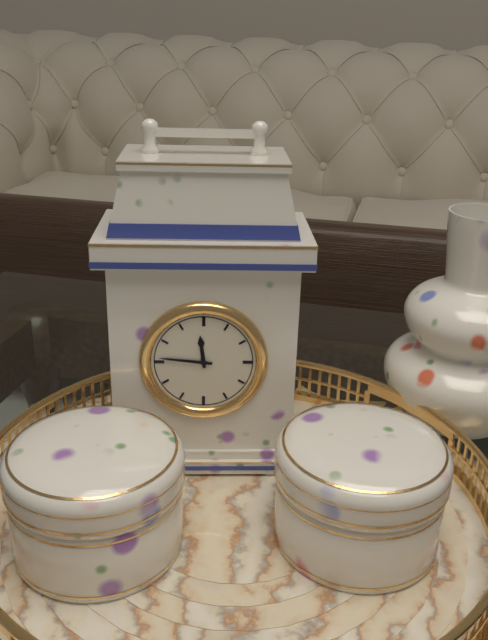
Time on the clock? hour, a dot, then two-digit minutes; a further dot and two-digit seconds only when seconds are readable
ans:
11.46
